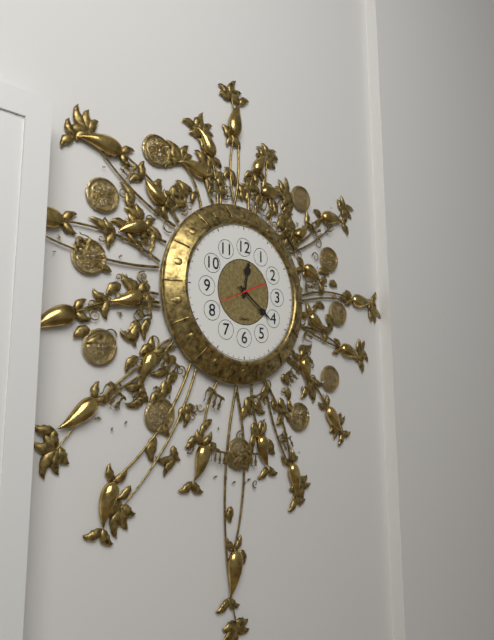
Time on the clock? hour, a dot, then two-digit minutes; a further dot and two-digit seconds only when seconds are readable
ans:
12.21
